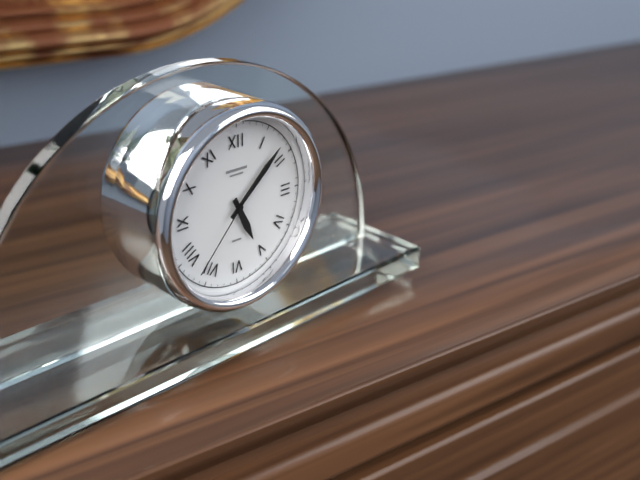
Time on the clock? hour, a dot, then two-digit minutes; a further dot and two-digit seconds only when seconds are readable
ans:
5.08.37
